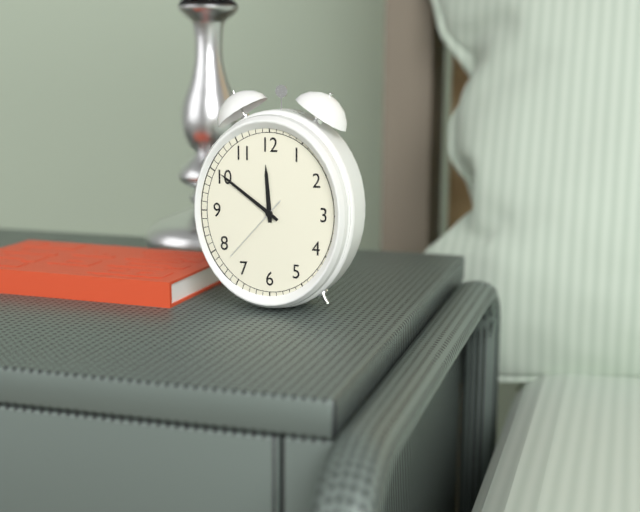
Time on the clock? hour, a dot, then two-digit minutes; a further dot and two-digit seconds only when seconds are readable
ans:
11.51.37
